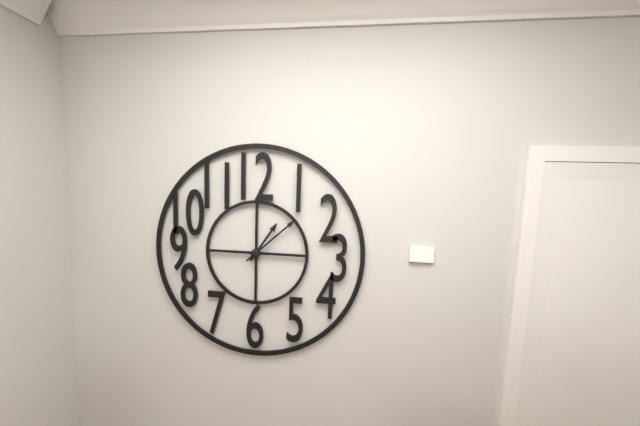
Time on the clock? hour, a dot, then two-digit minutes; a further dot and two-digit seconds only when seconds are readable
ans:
1.08
